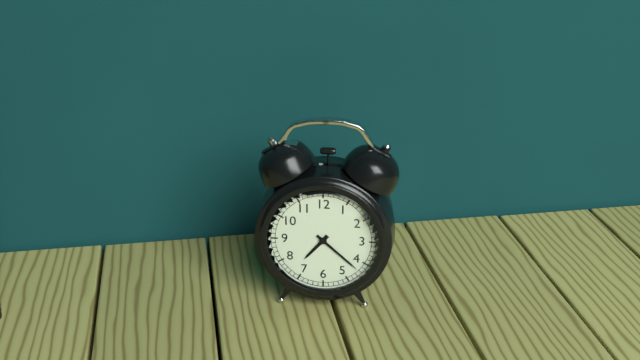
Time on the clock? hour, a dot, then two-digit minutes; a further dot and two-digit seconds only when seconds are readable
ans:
7.22
